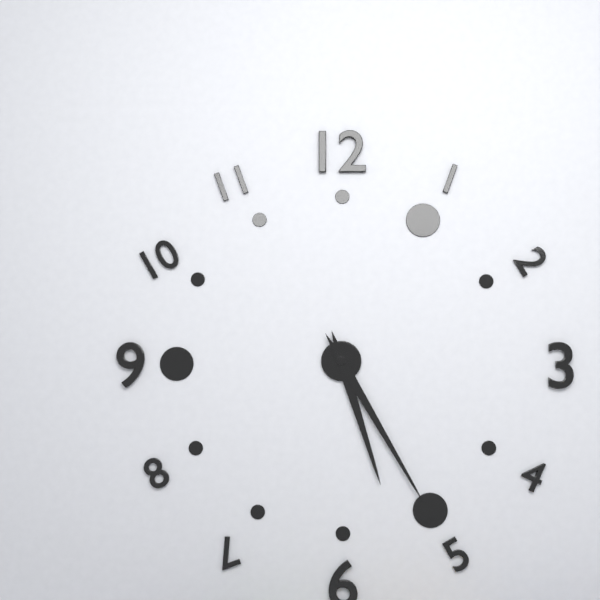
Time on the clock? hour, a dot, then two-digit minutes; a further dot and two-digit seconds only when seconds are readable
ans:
5.25
